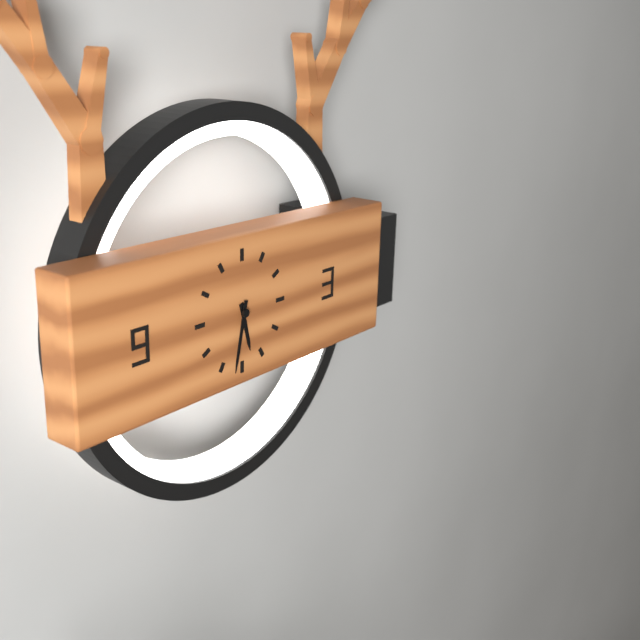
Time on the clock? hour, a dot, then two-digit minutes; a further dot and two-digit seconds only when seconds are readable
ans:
5.32
